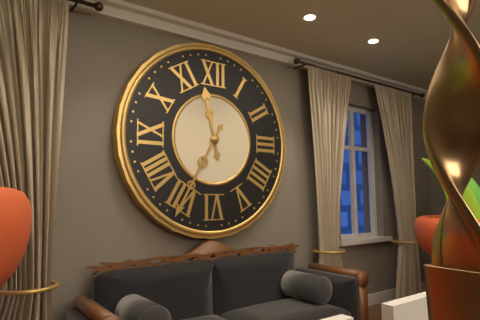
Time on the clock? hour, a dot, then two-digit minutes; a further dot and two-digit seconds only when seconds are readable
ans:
11.35
